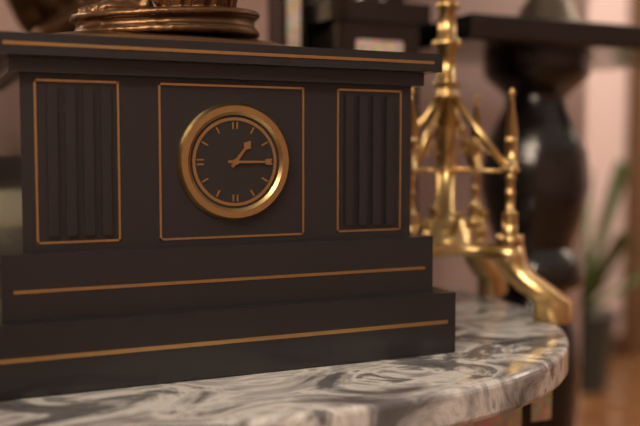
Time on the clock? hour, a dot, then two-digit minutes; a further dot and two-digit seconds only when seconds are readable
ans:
1.15
